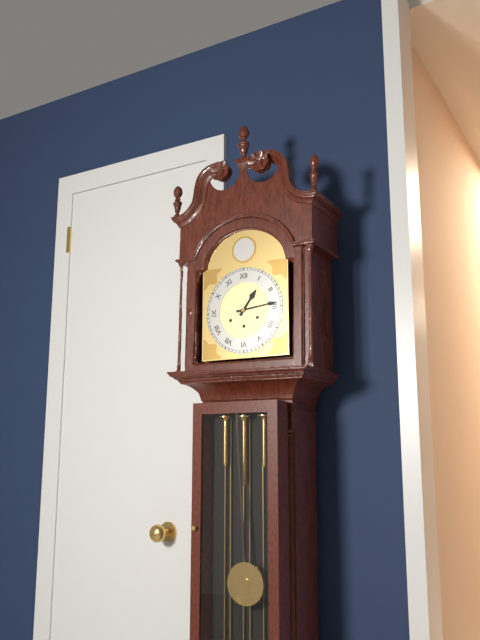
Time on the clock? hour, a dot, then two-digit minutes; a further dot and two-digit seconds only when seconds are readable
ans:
1.14
